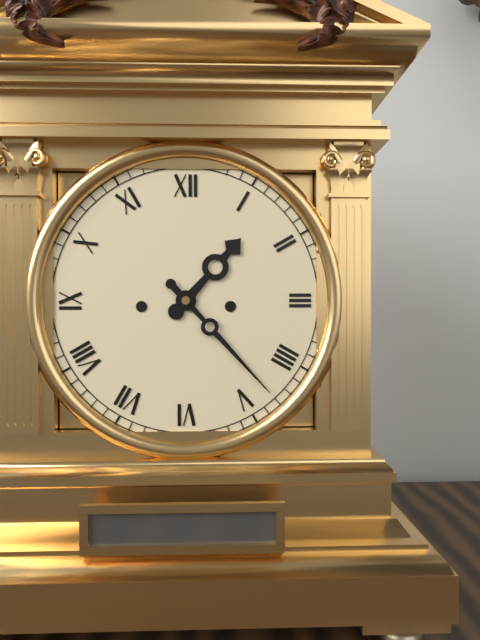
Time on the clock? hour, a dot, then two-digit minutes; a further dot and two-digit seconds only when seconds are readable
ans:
1.23
